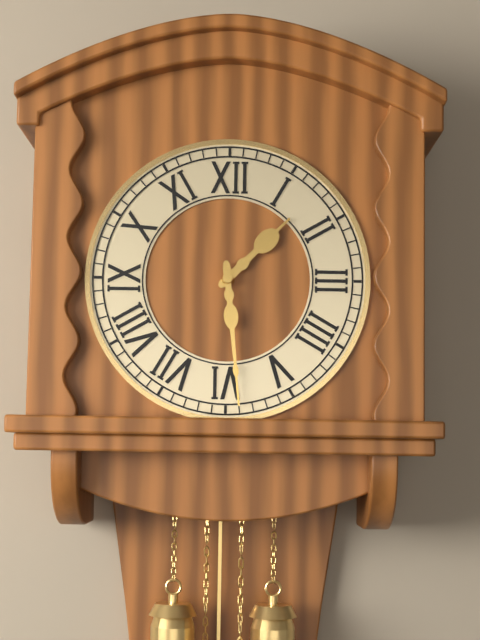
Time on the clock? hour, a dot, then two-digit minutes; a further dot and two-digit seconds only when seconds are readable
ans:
1.29
